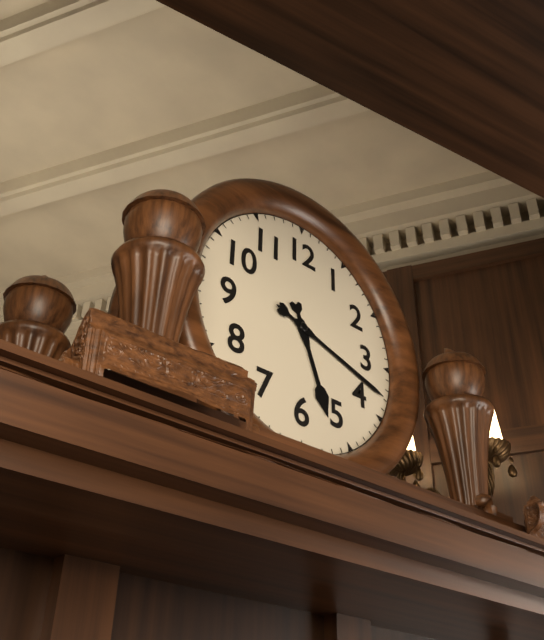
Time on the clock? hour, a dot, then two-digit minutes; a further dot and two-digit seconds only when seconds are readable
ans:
5.18
